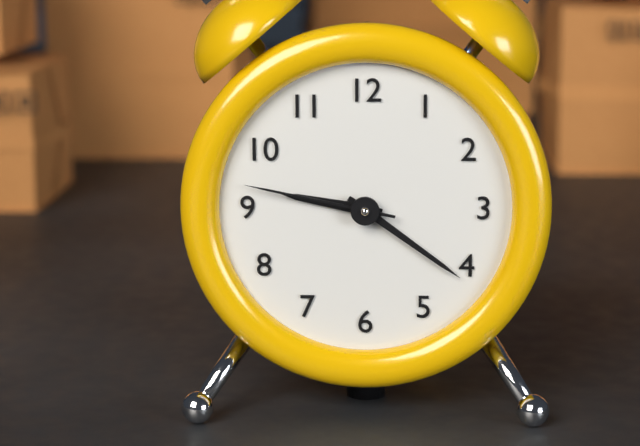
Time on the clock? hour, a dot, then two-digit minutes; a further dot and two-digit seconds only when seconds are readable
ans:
9.21.47
